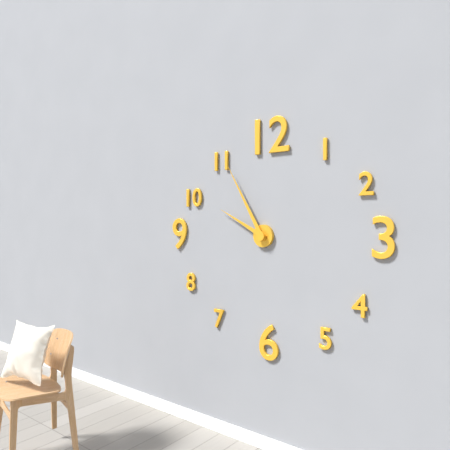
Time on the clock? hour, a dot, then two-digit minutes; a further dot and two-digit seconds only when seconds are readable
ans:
9.55
